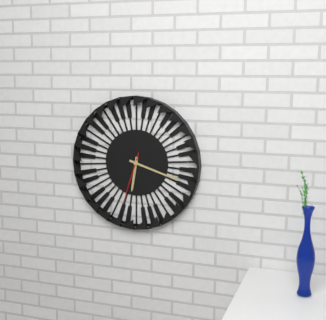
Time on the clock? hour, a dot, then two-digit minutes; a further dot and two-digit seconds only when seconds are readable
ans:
6.18.33
